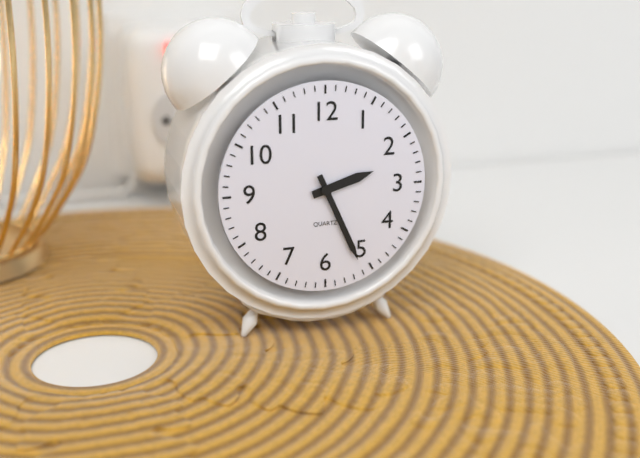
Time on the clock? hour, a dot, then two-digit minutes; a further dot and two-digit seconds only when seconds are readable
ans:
2.26
